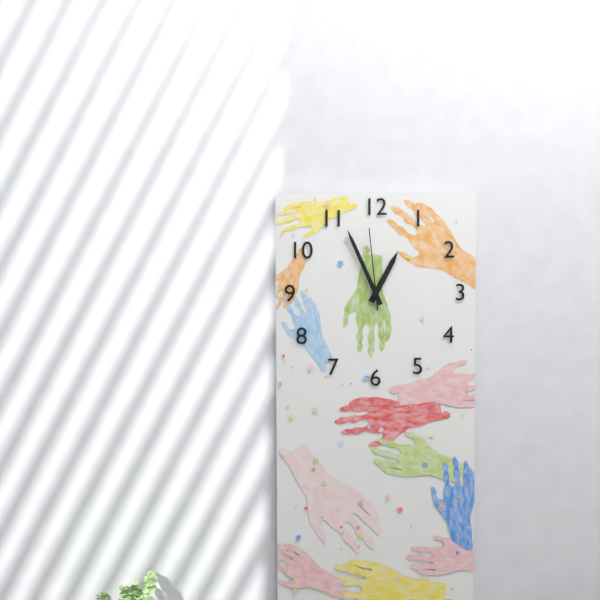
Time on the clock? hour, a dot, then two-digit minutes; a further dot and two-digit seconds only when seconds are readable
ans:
12.56.59
